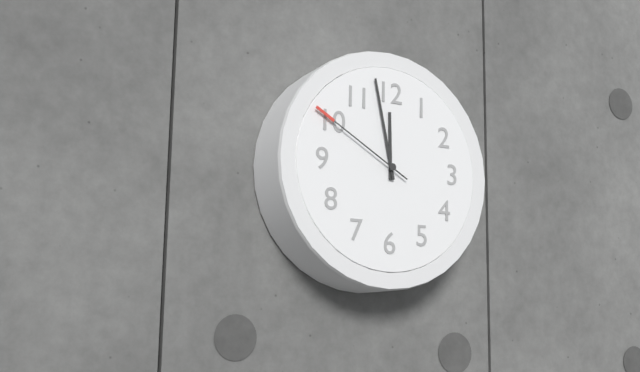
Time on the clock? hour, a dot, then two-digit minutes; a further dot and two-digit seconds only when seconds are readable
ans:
11.58.50
